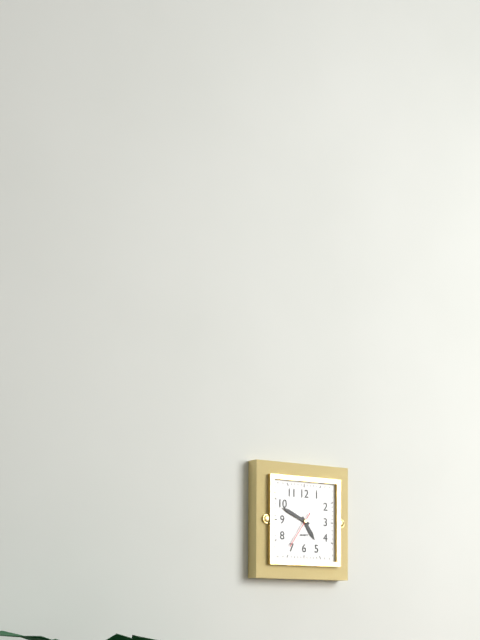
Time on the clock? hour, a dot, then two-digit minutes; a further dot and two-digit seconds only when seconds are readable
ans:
4.49
